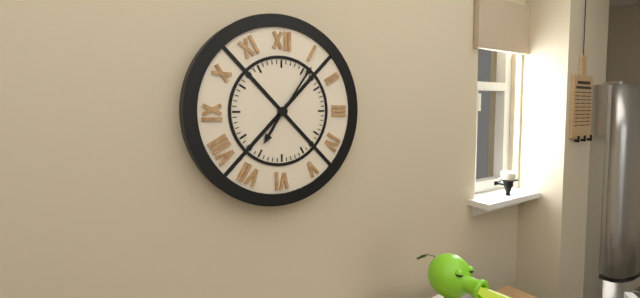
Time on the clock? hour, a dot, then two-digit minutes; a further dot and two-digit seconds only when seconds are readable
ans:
7.06
